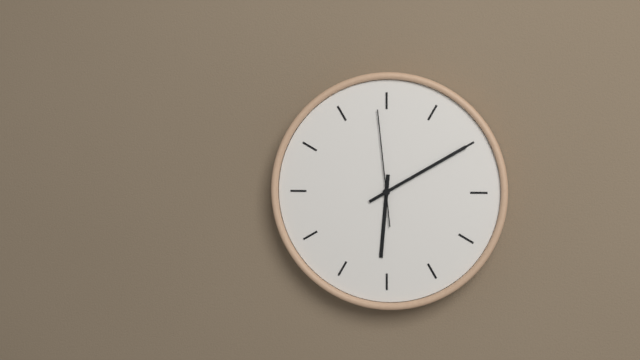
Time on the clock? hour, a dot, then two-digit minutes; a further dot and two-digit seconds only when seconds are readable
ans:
6.10.59
